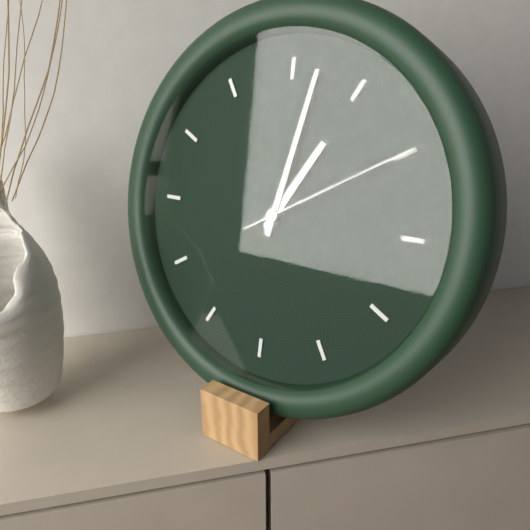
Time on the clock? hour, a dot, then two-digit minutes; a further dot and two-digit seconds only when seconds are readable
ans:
1.02.10
